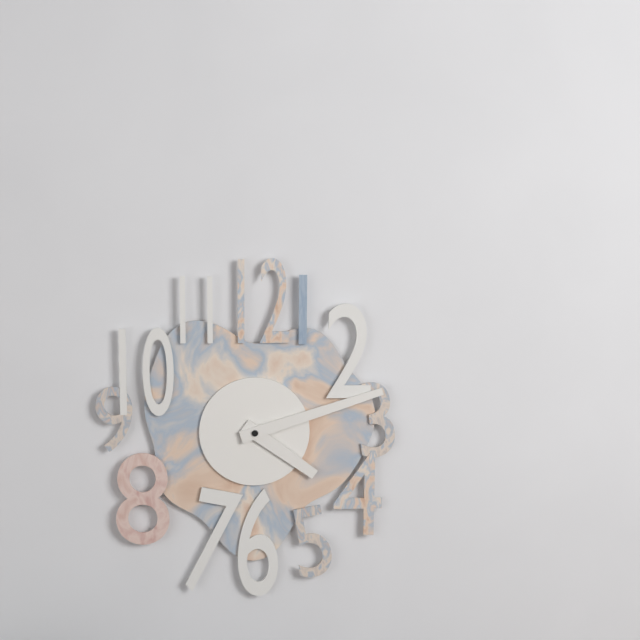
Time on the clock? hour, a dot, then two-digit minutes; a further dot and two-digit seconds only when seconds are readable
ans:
4.12
